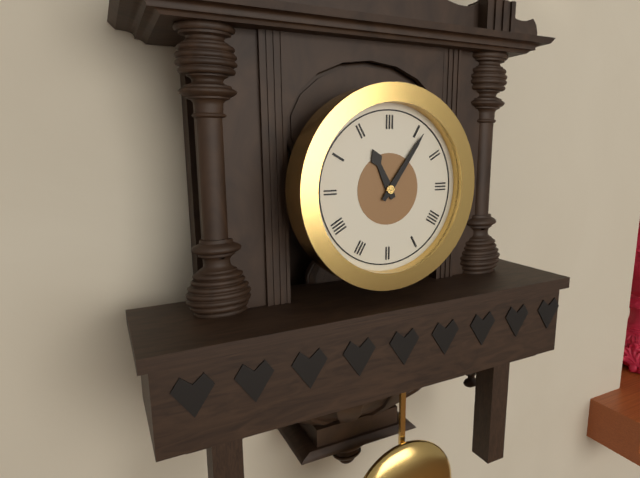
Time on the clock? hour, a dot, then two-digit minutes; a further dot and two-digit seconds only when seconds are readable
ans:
11.06
